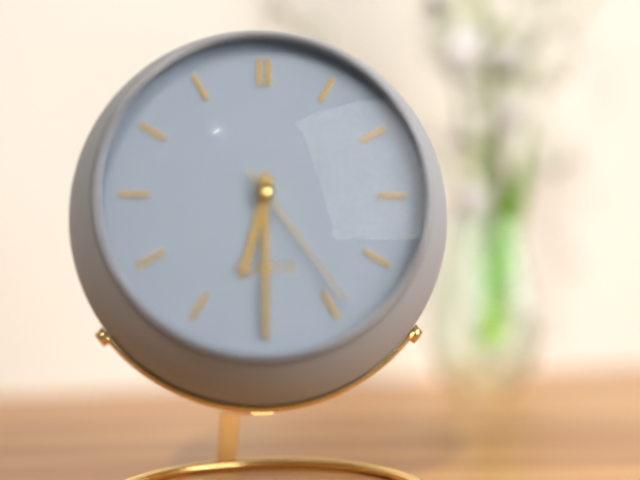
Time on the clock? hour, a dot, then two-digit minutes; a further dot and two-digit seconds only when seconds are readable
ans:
6.30.24
